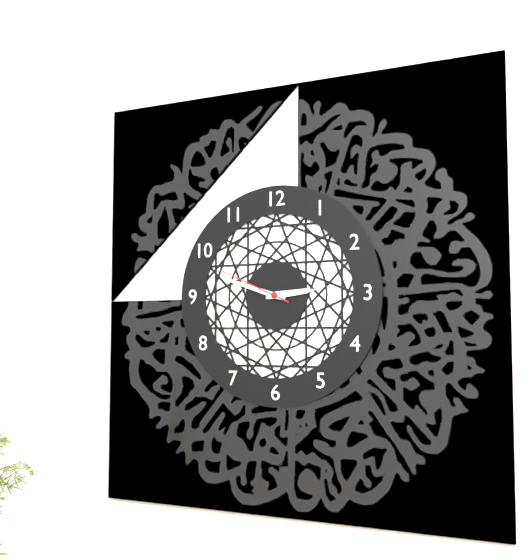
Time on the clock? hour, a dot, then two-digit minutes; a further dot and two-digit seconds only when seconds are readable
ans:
2.48.49
